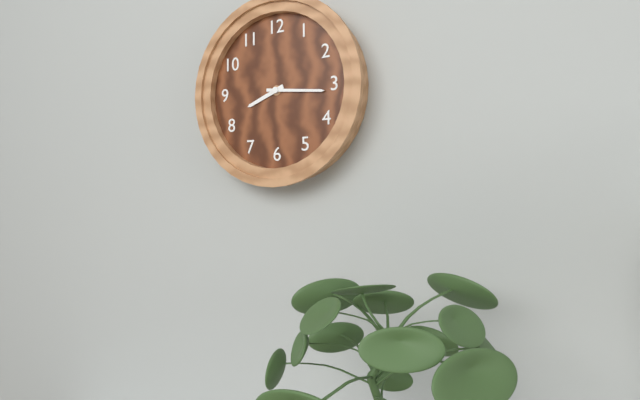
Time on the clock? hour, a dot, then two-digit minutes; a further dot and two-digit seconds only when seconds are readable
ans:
8.16
